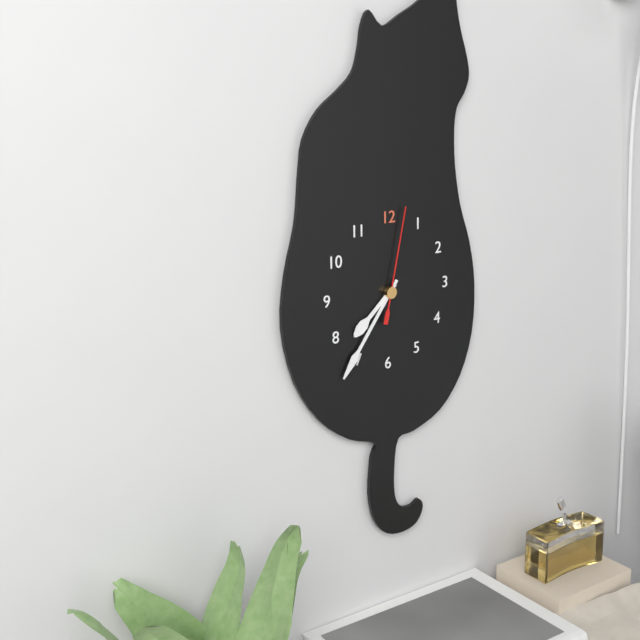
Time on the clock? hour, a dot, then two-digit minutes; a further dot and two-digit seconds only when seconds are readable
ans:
7.36.02
